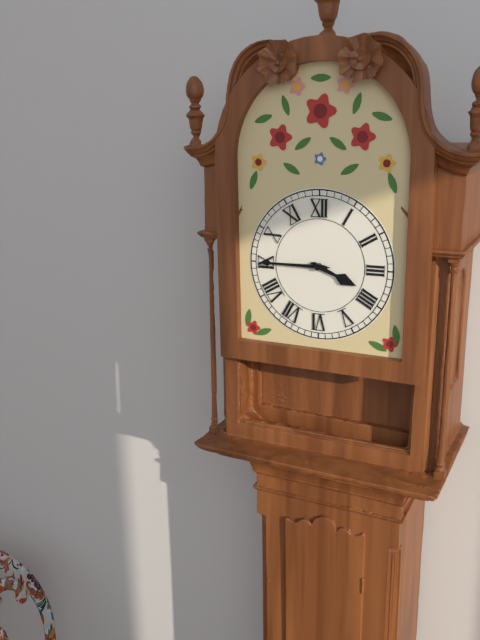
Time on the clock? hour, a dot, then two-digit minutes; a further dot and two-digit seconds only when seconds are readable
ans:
3.45
